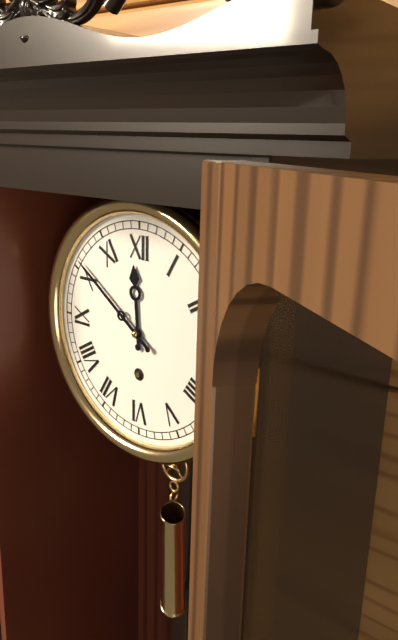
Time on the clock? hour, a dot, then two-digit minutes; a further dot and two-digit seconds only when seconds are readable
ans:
11.51
